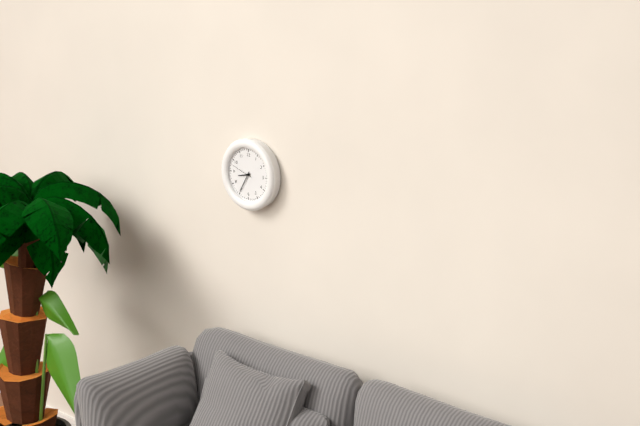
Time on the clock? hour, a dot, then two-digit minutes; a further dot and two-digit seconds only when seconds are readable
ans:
8.35
